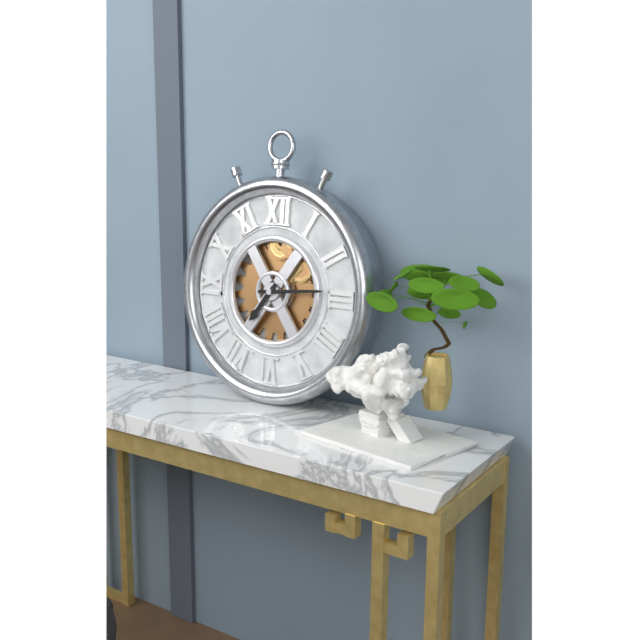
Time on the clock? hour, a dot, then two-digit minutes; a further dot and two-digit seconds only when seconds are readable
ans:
7.14
